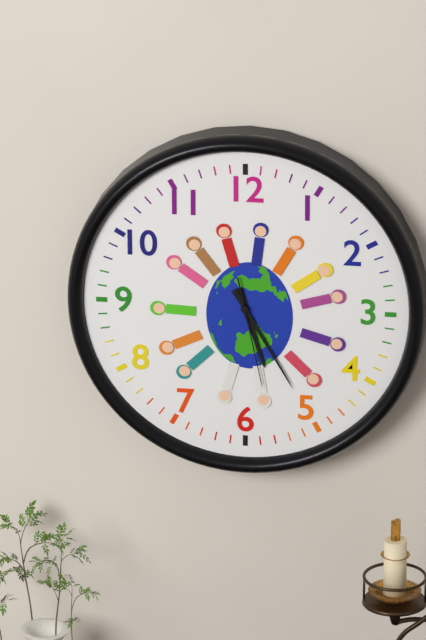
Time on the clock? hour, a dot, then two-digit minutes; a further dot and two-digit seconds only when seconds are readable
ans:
5.25.28
